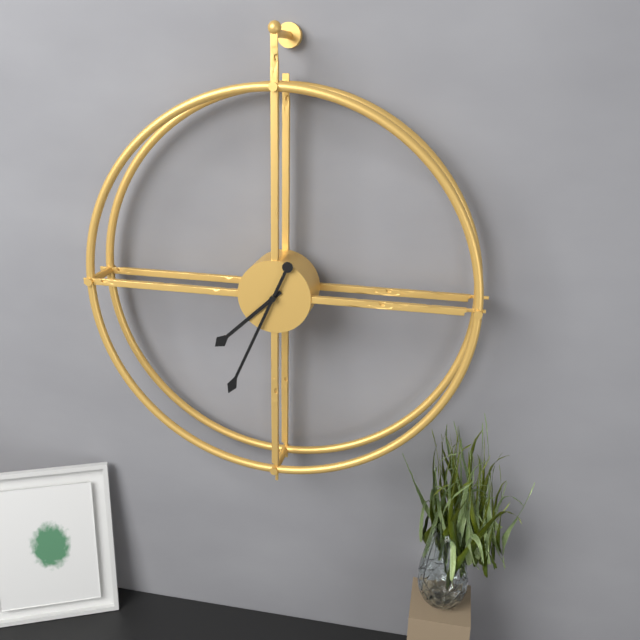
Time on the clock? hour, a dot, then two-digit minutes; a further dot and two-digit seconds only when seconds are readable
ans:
7.34
